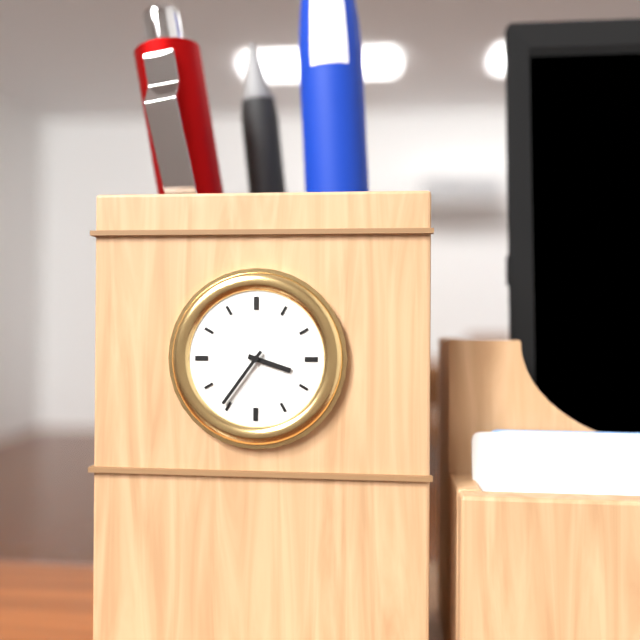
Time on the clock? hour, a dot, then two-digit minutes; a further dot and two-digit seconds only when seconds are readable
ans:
3.36
